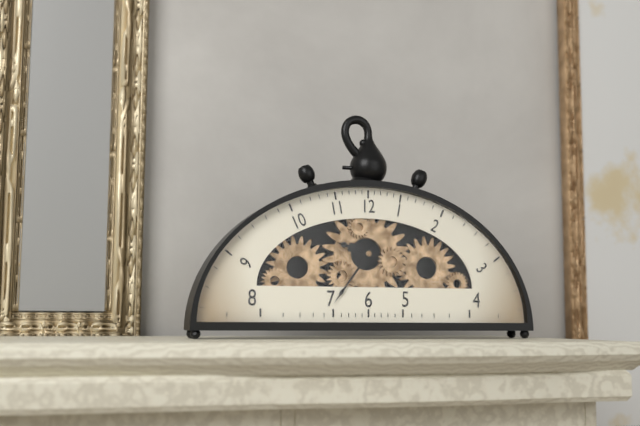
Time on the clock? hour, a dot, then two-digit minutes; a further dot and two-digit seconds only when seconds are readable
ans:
9.36
